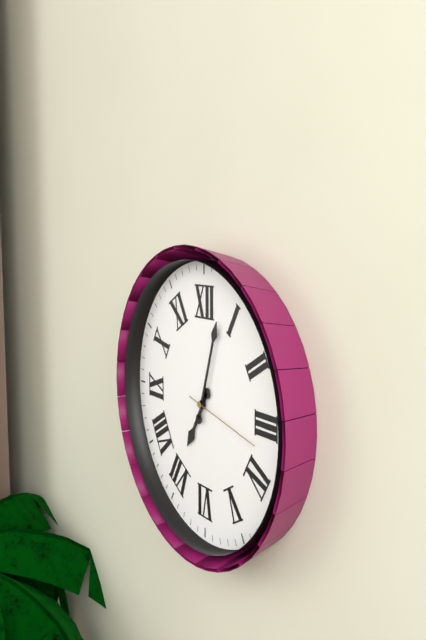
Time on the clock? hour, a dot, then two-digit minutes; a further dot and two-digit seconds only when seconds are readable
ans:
7.03.17
